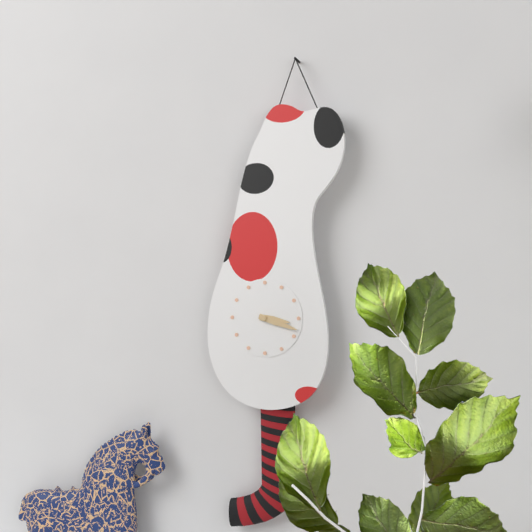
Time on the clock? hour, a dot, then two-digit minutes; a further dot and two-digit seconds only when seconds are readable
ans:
3.18
